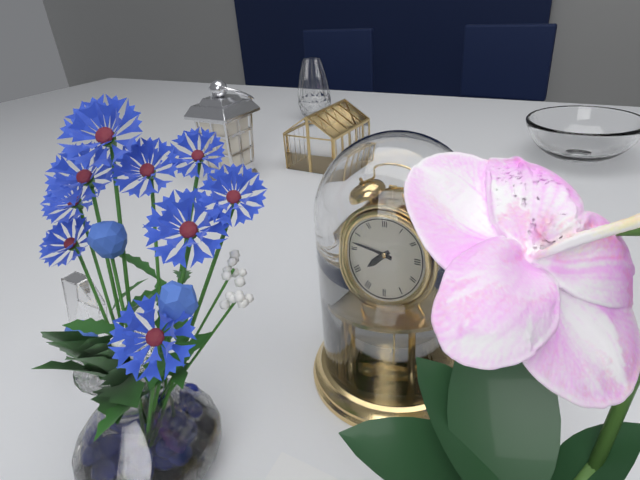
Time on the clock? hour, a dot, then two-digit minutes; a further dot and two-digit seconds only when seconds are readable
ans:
7.47
